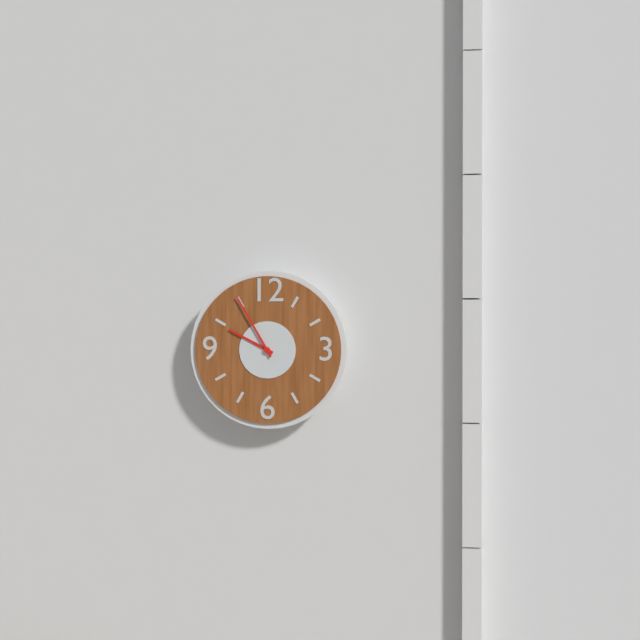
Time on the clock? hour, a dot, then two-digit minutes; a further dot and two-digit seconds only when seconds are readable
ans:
9.55
